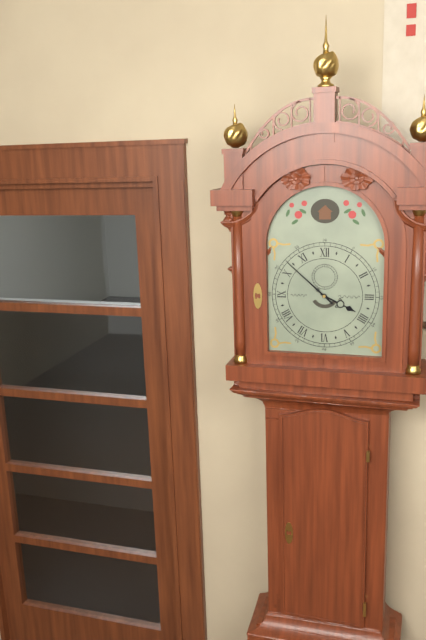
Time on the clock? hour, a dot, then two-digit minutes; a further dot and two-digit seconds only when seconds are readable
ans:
3.52
